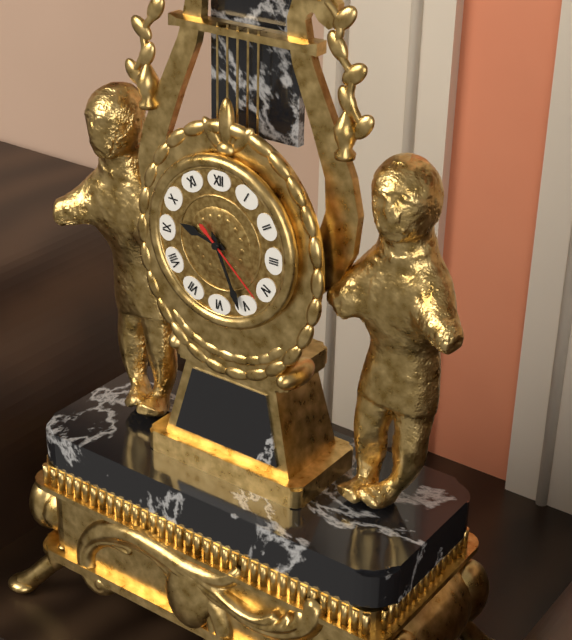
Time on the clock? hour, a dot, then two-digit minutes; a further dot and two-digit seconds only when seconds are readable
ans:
9.26.22
